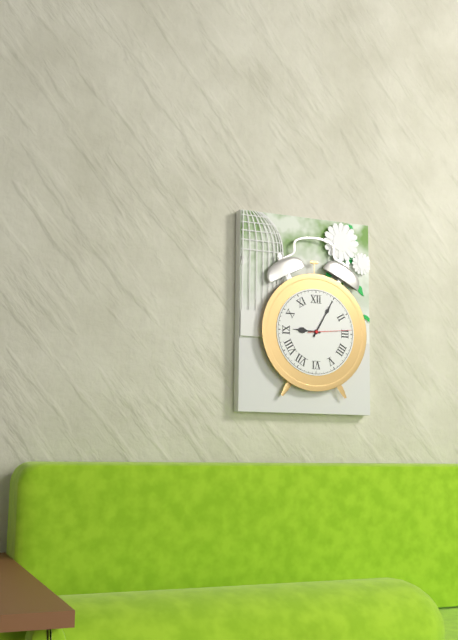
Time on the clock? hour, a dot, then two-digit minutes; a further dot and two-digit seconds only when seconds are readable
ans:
9.05
